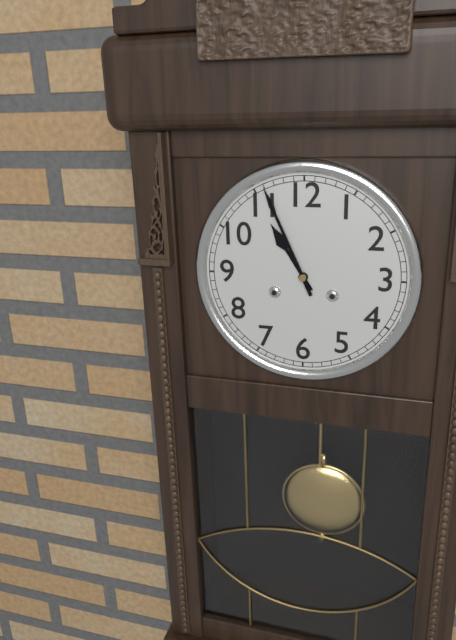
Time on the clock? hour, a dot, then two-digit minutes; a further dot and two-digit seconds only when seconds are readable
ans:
10.56
